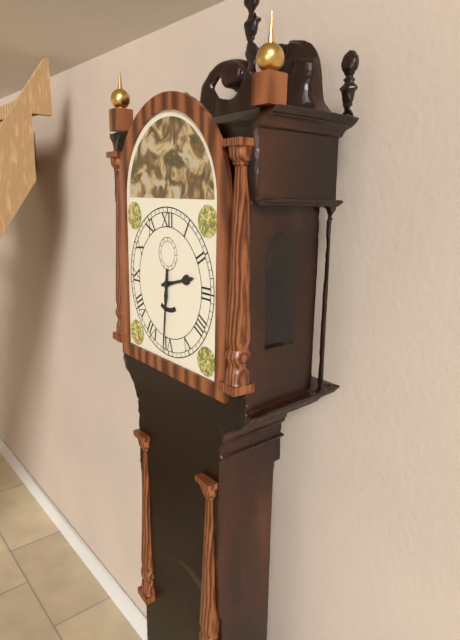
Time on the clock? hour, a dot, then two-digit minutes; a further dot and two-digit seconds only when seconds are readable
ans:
2.31
